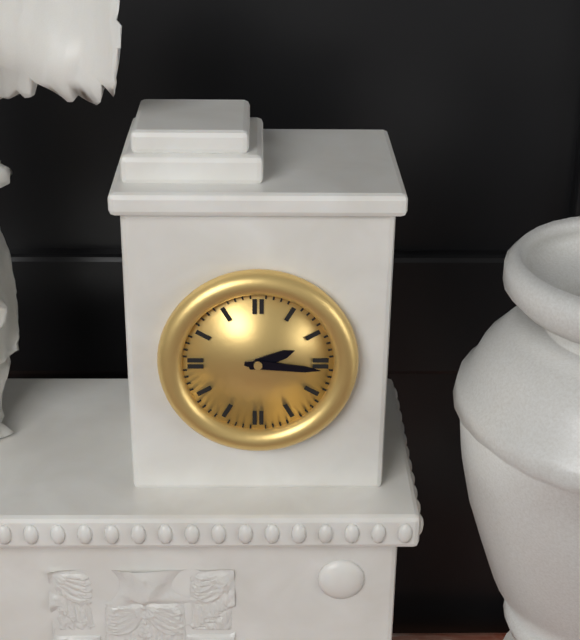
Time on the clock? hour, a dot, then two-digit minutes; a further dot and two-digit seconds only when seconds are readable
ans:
2.16
